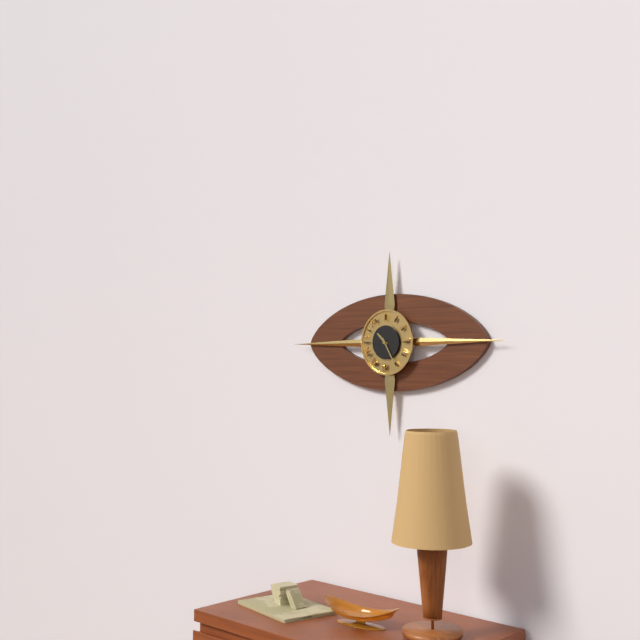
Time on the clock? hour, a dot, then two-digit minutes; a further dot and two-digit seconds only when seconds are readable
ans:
10.25
